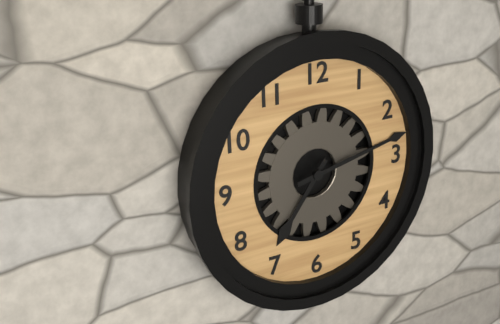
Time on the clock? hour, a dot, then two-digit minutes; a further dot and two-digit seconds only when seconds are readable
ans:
7.13
